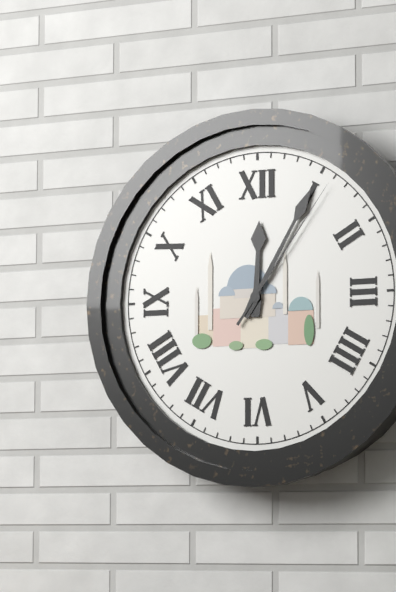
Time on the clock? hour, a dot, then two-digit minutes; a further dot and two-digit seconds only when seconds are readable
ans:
12.05.06
